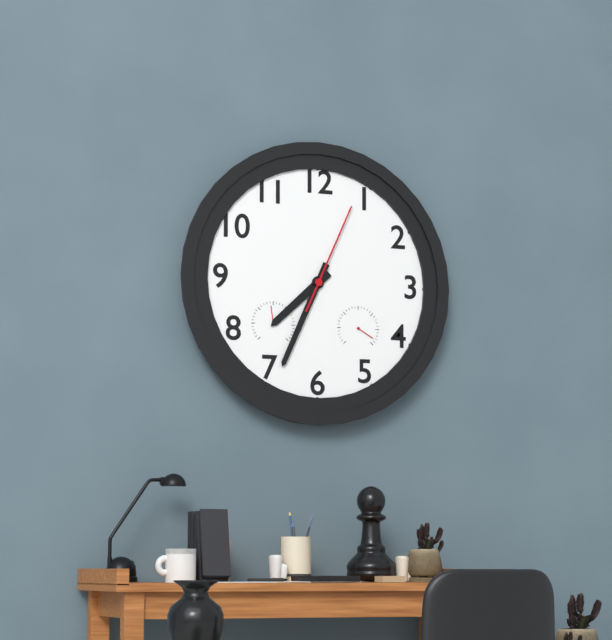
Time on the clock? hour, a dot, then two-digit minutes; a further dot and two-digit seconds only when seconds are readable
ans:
7.34.04
